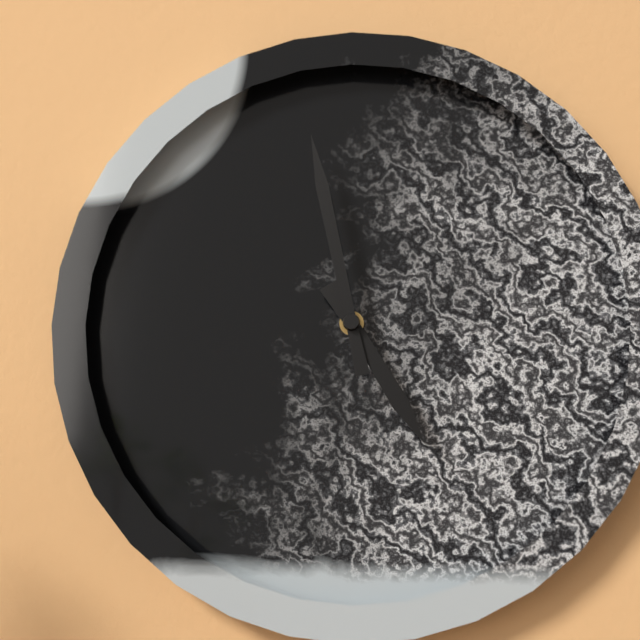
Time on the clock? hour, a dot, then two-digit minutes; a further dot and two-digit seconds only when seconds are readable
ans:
4.58
